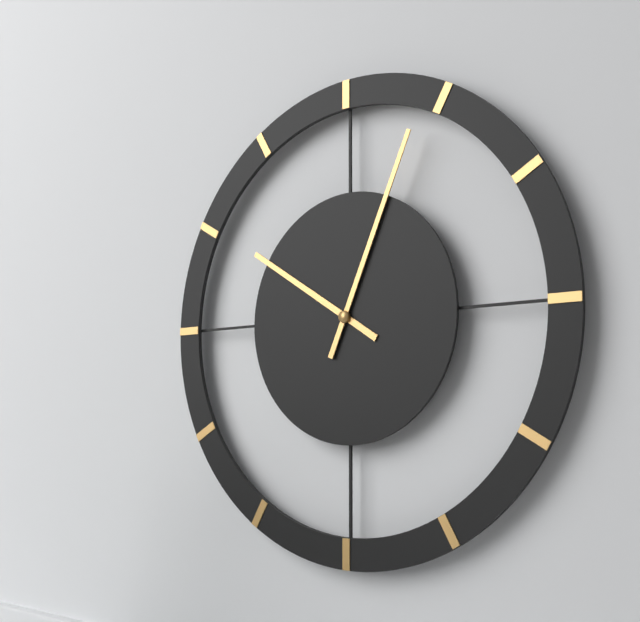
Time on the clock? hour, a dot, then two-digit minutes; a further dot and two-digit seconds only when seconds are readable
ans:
10.04
